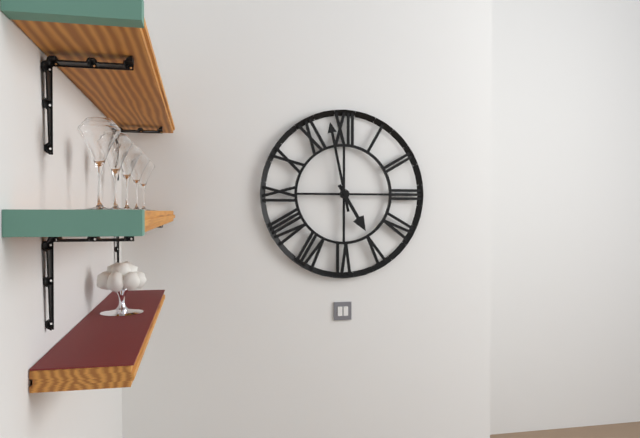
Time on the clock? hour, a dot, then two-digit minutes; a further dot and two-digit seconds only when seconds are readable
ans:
4.58
